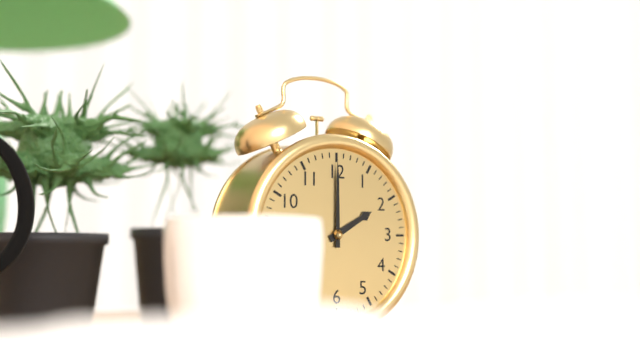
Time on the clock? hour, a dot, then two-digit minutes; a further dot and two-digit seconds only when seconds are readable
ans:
2.00
